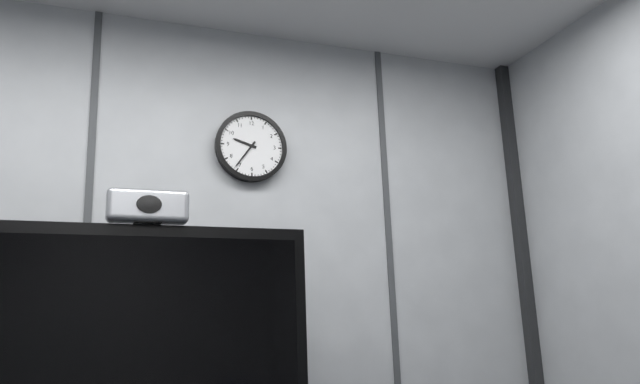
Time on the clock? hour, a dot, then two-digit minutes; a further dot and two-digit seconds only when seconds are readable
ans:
9.36
